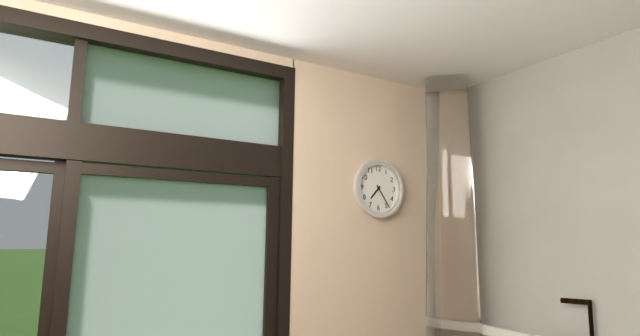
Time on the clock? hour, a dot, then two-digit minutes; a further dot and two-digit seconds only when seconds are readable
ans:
7.24
